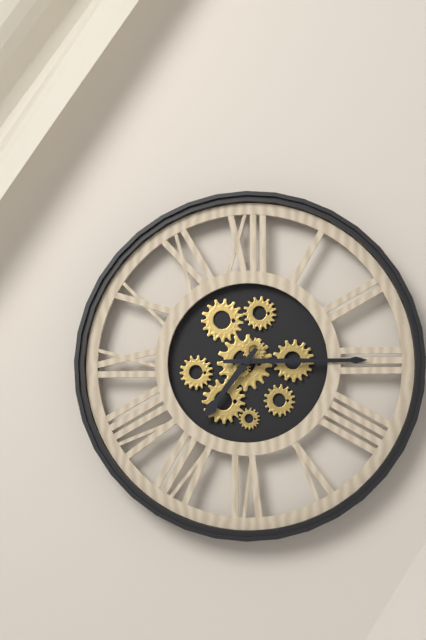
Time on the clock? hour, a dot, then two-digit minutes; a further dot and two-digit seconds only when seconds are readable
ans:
7.15
